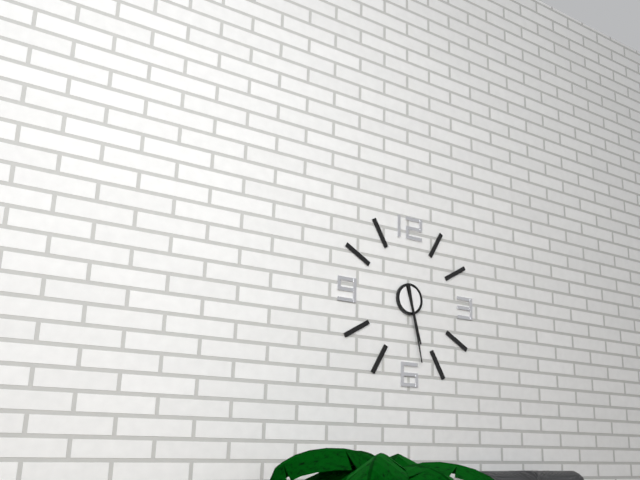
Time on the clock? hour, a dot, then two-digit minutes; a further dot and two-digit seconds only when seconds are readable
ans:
5.28
